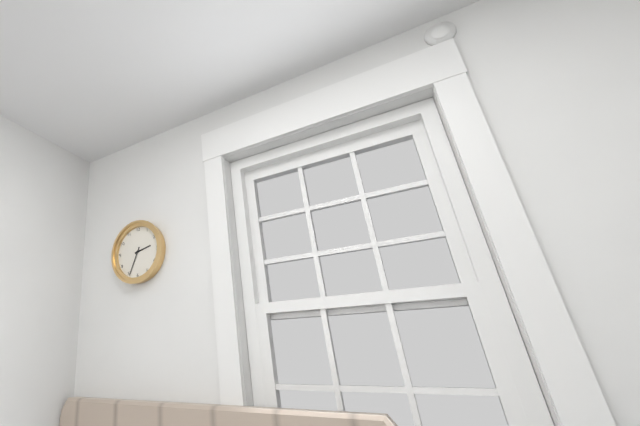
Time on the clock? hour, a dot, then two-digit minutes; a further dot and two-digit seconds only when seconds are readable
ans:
2.34
